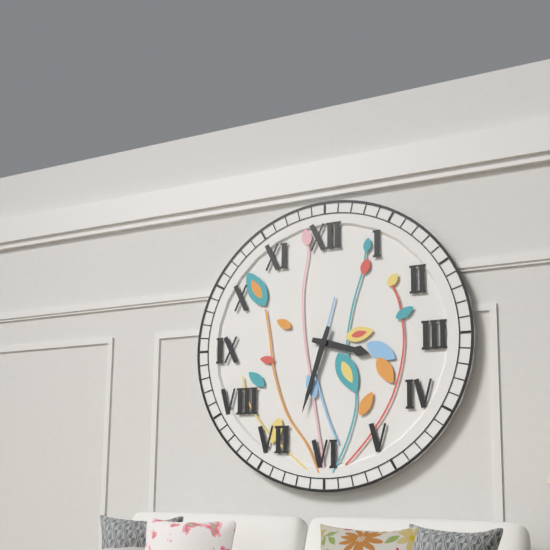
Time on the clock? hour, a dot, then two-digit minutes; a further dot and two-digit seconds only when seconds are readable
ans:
3.33
